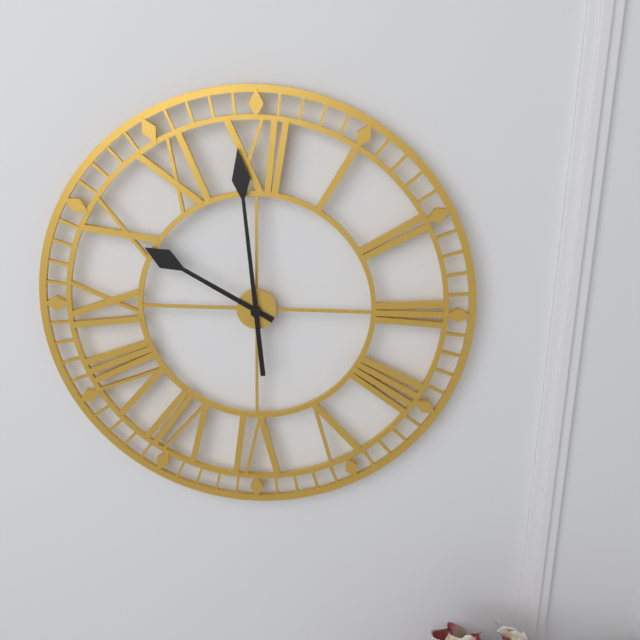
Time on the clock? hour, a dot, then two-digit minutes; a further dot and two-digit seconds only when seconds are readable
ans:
9.59
